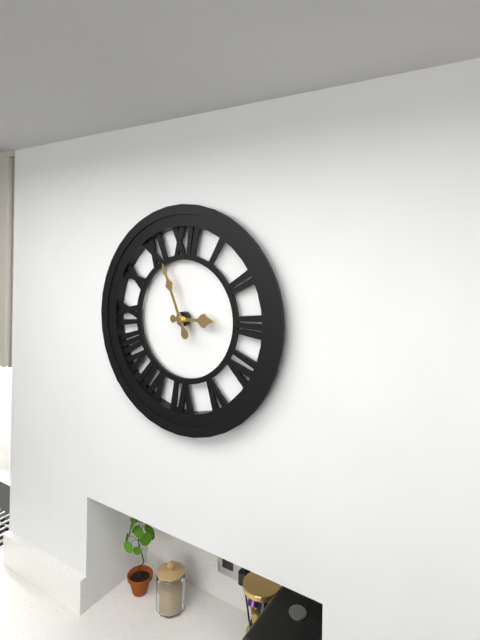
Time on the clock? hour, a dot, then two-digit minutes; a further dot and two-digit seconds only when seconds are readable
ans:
2.56
